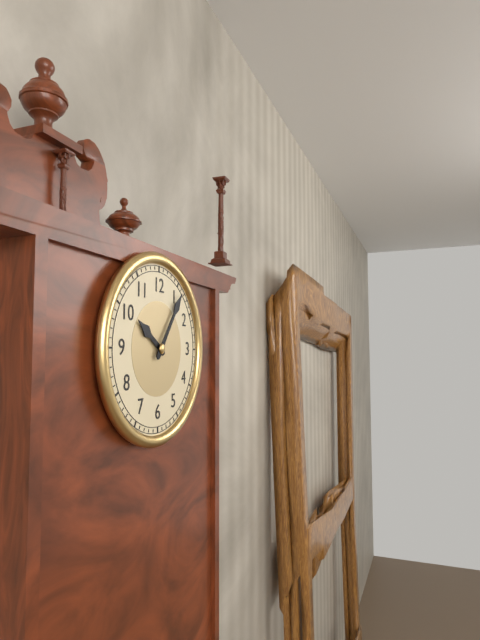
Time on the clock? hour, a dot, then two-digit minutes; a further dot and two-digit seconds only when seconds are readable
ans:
10.06
